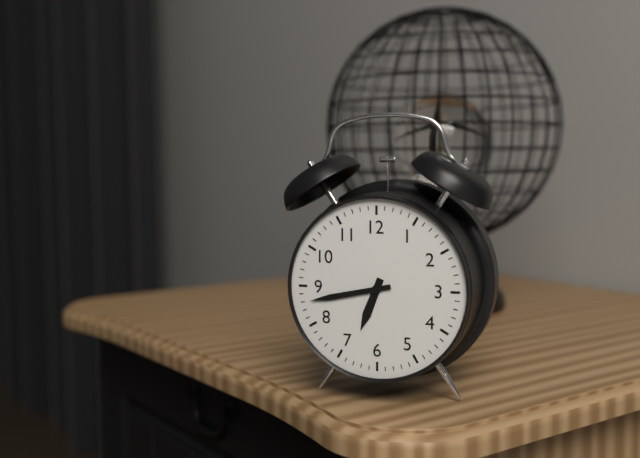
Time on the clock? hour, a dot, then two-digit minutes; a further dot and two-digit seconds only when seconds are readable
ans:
6.43
